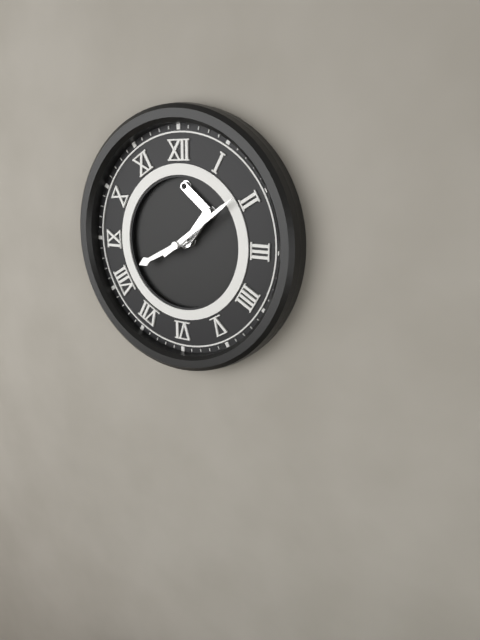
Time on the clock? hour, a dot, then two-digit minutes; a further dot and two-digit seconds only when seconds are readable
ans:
8.09
